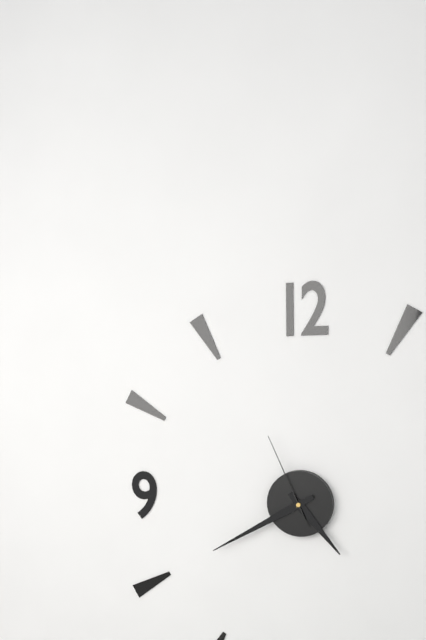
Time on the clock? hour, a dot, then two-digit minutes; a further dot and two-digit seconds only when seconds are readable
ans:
4.40.56
